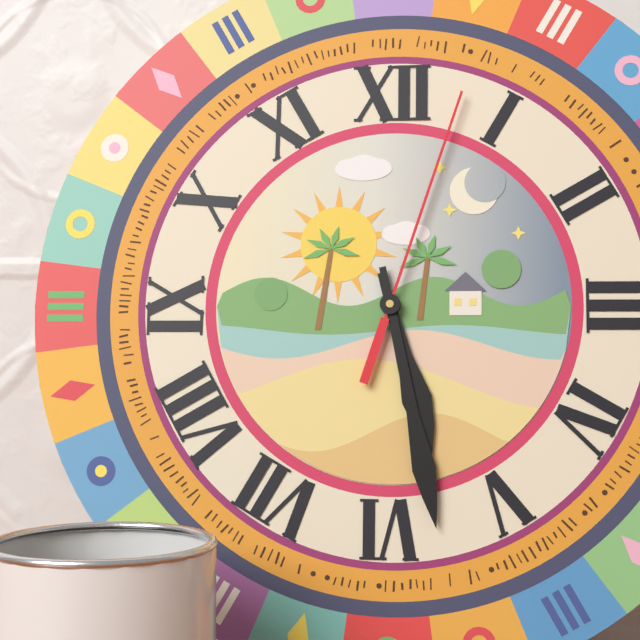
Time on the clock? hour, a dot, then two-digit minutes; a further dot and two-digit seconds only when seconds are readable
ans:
5.28.03
